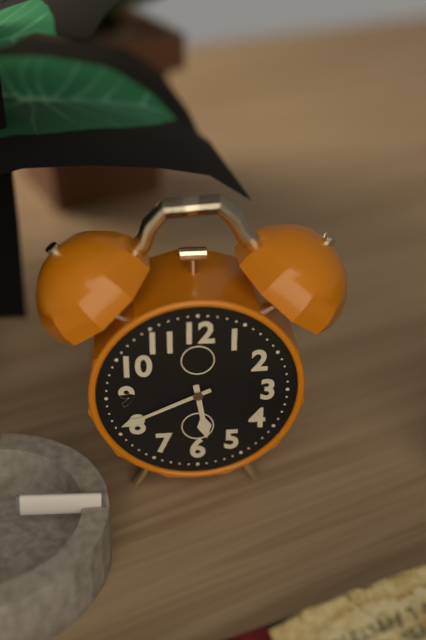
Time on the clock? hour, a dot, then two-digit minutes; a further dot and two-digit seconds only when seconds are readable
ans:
5.41
